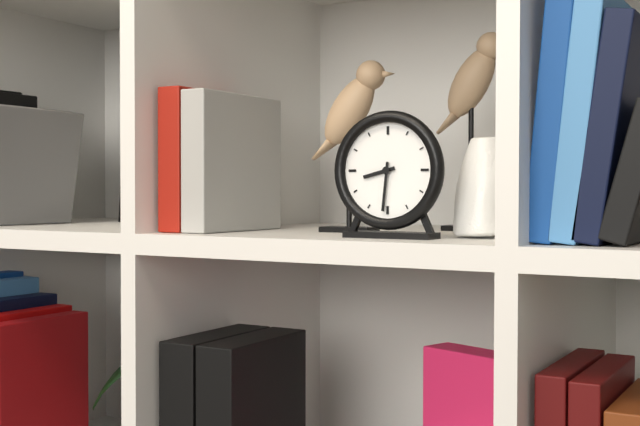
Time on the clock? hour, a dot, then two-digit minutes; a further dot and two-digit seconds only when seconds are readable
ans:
8.31
